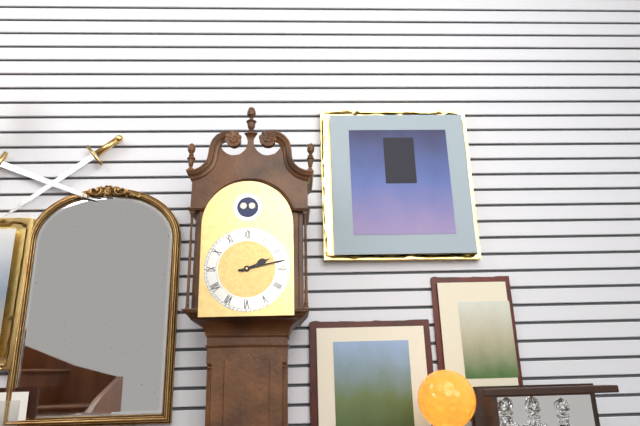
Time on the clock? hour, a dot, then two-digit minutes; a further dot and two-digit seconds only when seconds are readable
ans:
2.13
